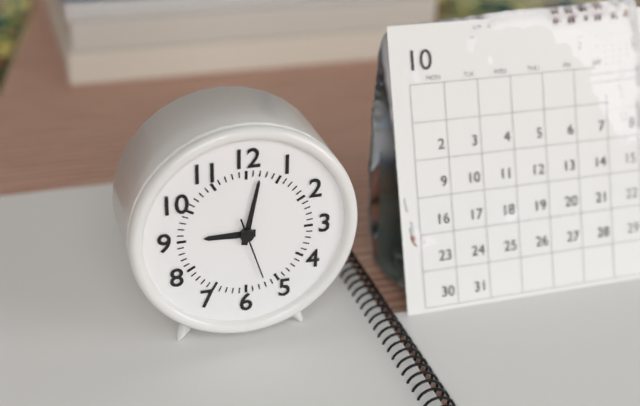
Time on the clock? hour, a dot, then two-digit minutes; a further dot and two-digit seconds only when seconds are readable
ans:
9.02.27
